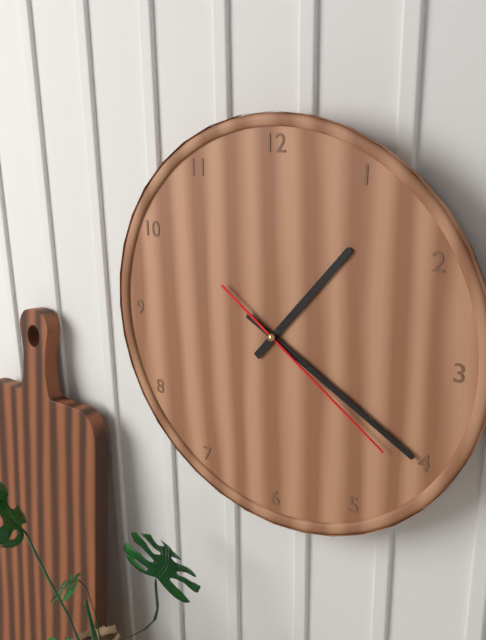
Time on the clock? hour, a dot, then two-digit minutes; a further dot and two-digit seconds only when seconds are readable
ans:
1.20.21
